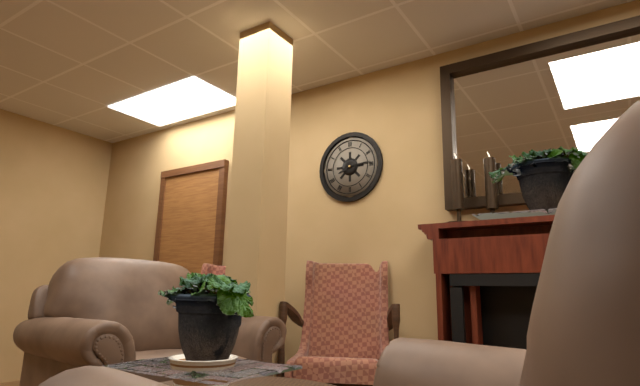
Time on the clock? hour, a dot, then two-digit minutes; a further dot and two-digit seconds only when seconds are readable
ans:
8.14
